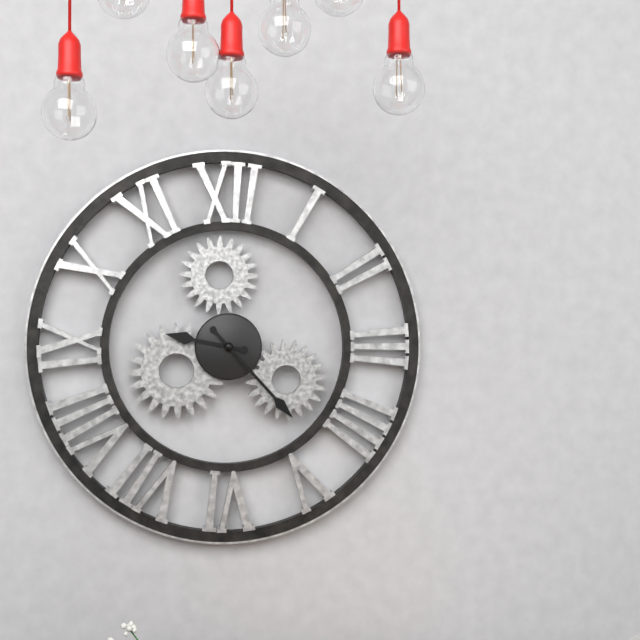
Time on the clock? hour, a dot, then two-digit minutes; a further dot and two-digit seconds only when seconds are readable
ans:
9.23
